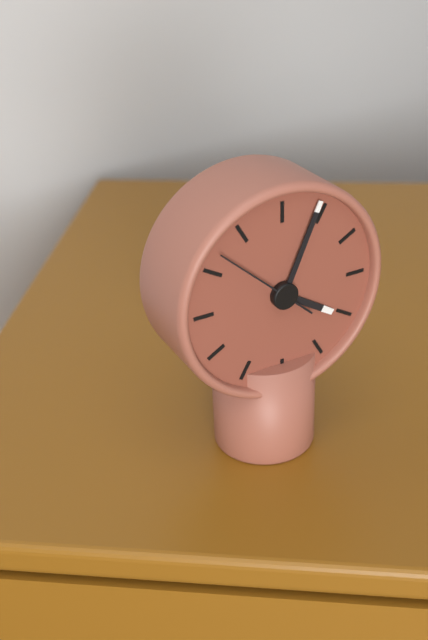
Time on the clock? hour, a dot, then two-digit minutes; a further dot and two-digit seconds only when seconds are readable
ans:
4.04.52
